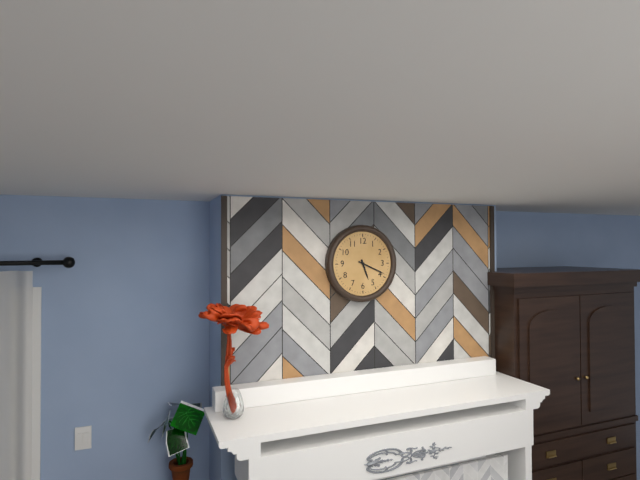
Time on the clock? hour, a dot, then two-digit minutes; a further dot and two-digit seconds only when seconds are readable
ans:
5.19
